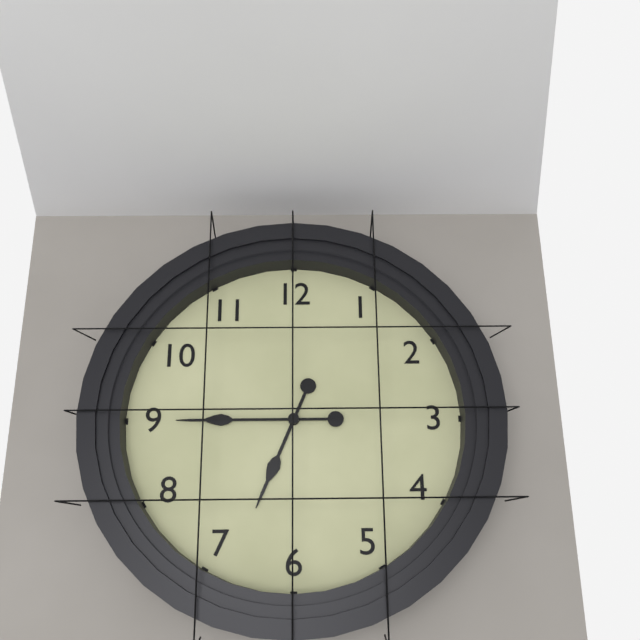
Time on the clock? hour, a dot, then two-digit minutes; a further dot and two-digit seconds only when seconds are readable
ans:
6.45
